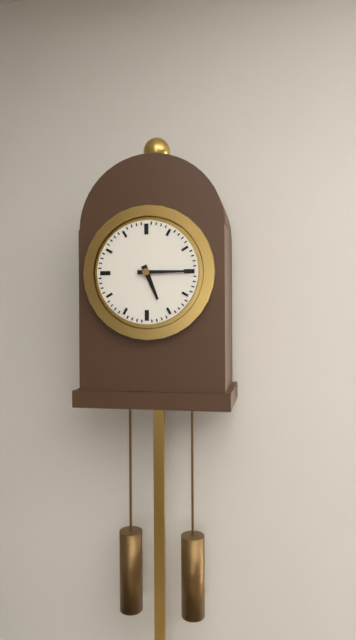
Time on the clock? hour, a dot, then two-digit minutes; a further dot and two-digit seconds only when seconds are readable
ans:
5.15
